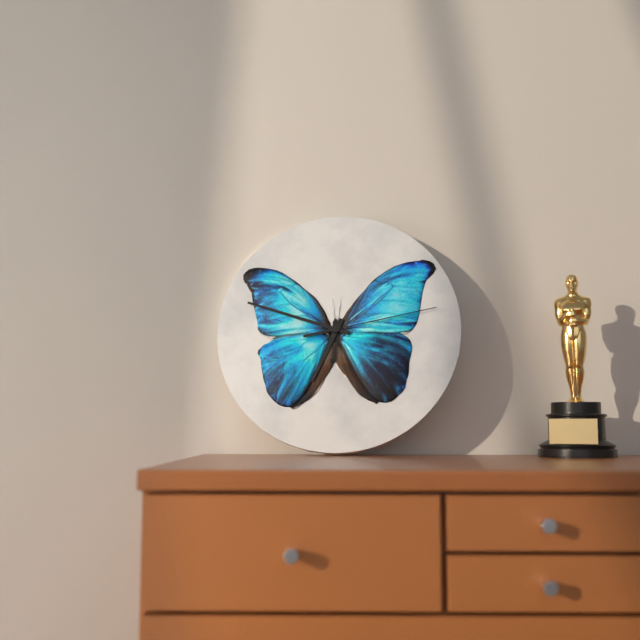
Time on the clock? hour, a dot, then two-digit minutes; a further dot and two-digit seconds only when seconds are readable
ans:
6.48.13
